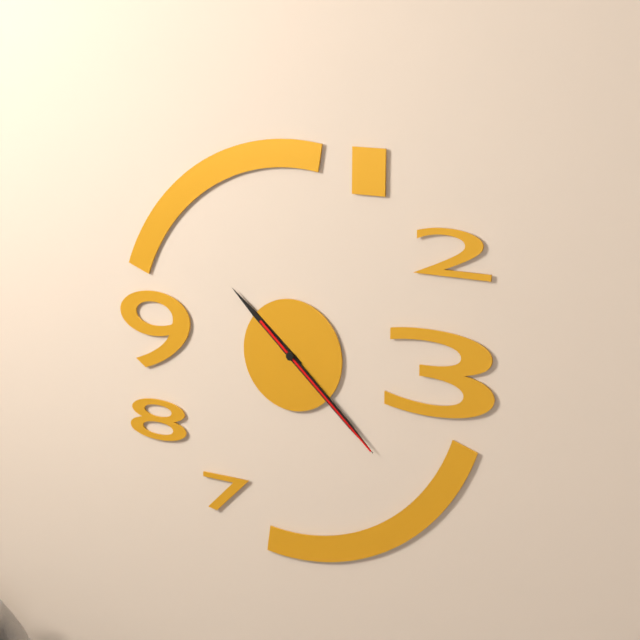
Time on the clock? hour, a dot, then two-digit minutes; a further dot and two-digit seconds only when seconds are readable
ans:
10.22.22
